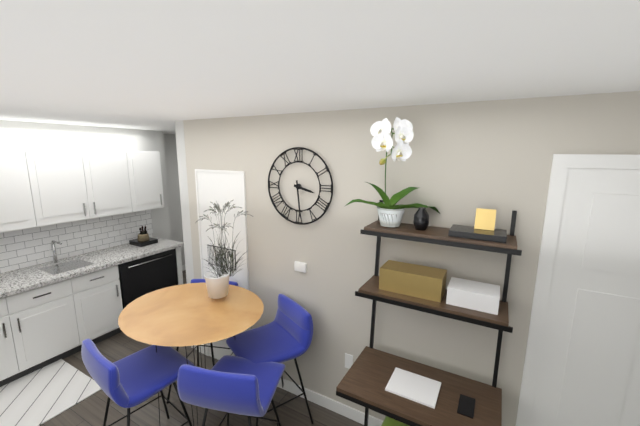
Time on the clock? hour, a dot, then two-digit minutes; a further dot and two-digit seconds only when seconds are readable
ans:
3.29
